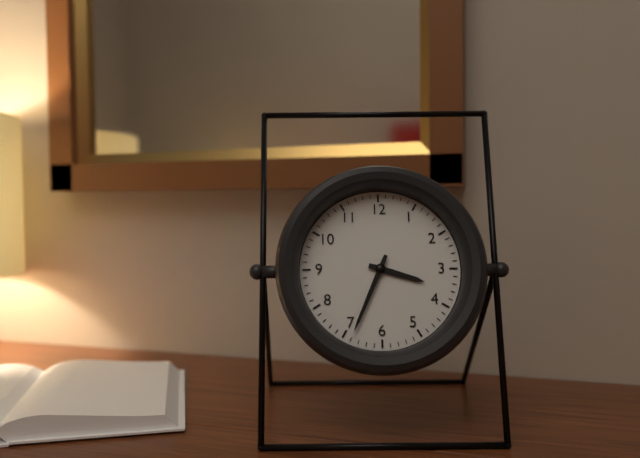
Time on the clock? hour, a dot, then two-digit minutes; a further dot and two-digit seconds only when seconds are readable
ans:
3.34
